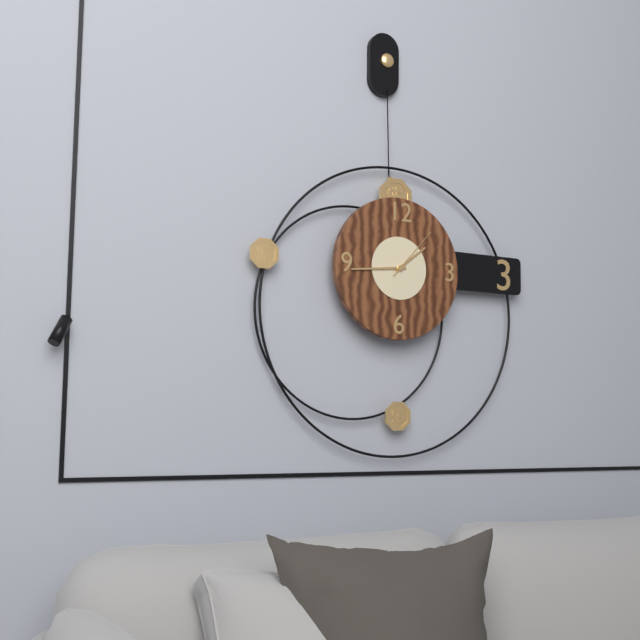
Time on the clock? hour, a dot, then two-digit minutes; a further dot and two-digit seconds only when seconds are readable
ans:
1.44.07
